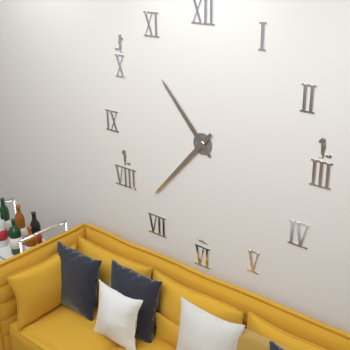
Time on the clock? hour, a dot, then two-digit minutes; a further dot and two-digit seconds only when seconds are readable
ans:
10.37
